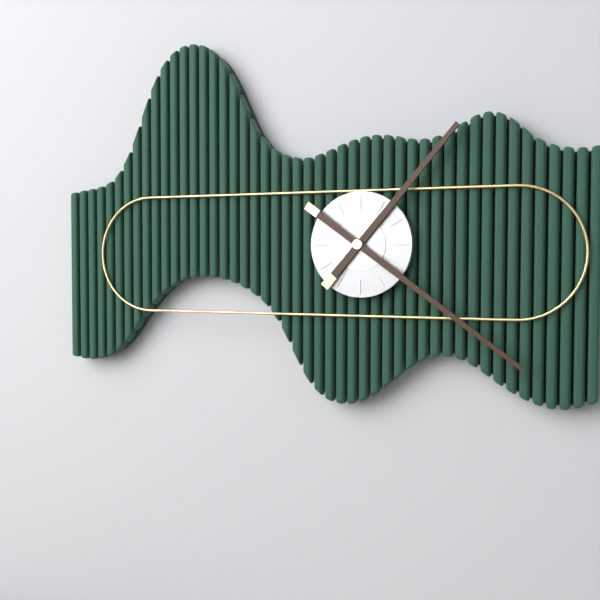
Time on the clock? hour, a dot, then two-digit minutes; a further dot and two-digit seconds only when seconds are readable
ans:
1.21
